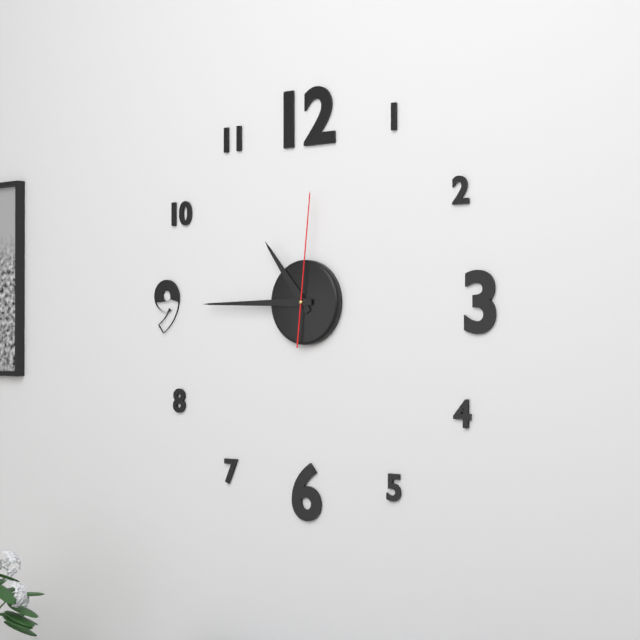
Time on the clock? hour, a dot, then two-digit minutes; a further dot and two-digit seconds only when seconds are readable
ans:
10.45.01
